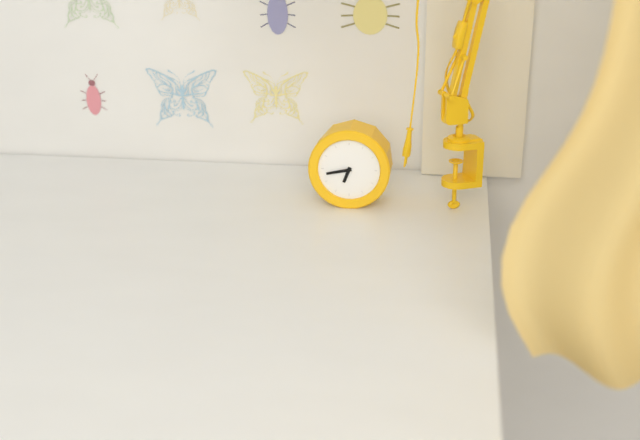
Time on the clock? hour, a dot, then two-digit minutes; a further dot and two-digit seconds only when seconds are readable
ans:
6.43
